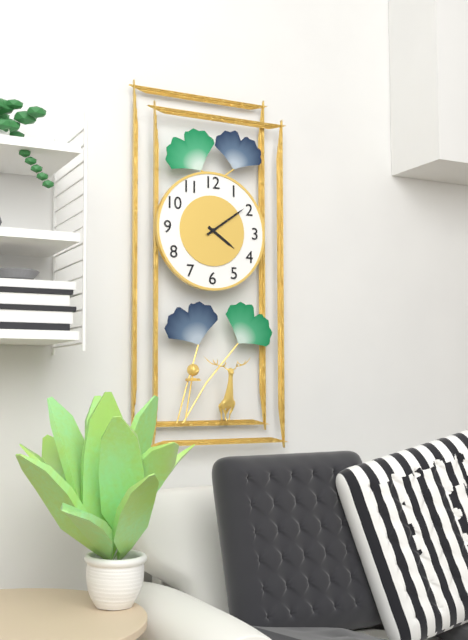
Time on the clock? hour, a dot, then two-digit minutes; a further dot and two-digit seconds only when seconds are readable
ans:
4.09
